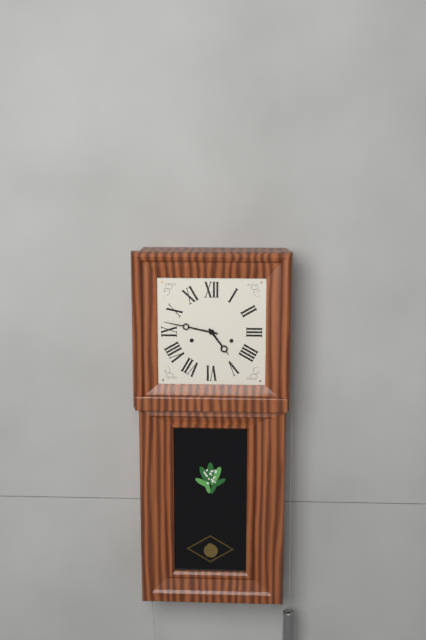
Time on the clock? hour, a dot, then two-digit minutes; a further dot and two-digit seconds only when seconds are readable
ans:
4.47
